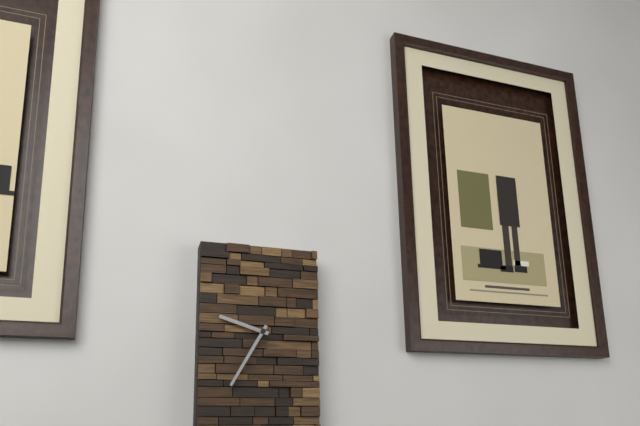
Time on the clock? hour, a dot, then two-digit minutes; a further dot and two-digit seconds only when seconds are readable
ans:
9.35
